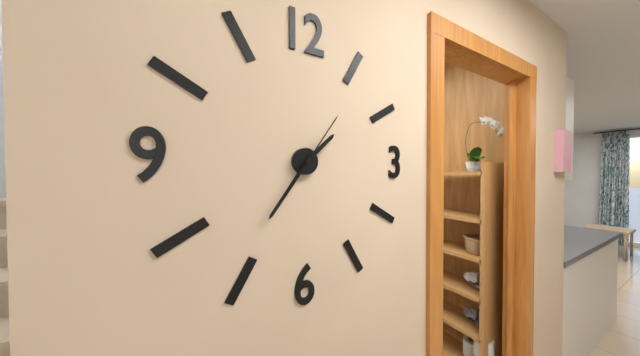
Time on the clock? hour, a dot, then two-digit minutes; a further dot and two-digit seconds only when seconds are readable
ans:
1.36.06
